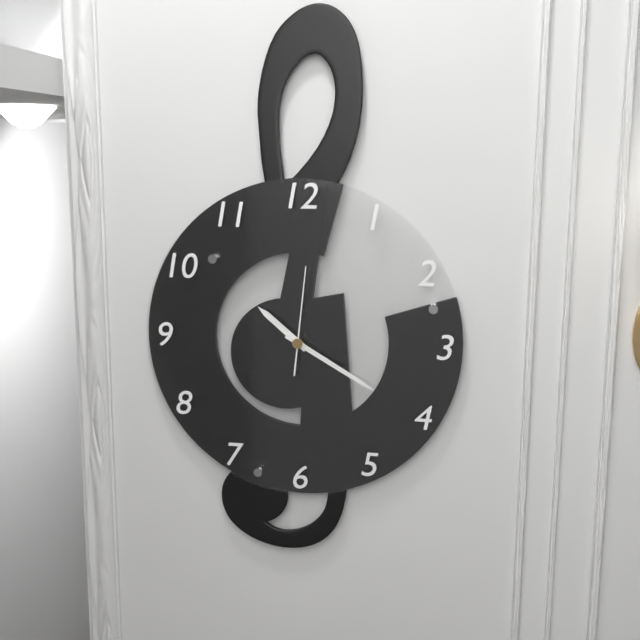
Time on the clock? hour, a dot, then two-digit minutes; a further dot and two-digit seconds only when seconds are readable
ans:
10.20.01
